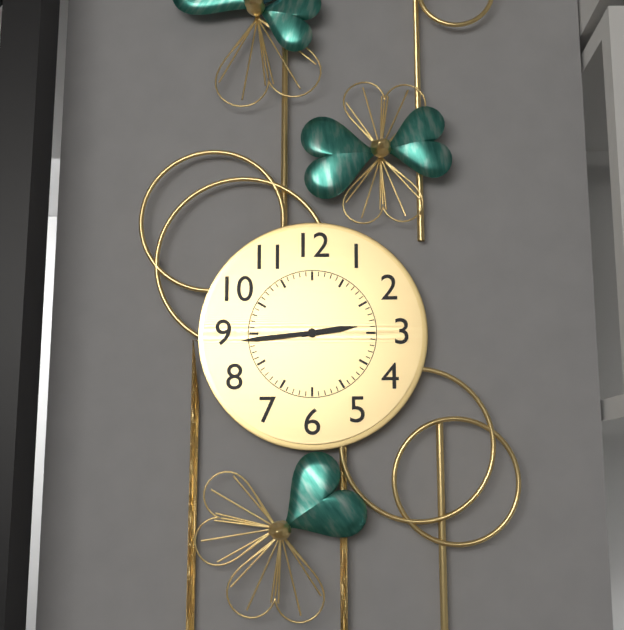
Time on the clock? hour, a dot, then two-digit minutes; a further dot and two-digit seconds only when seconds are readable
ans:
2.44
